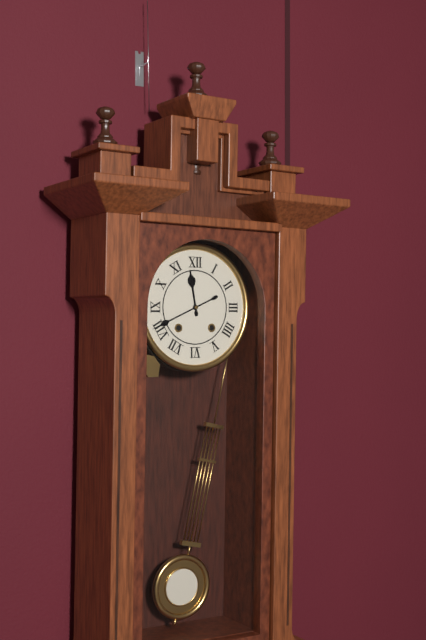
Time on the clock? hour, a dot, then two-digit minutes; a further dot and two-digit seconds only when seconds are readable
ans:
11.41
